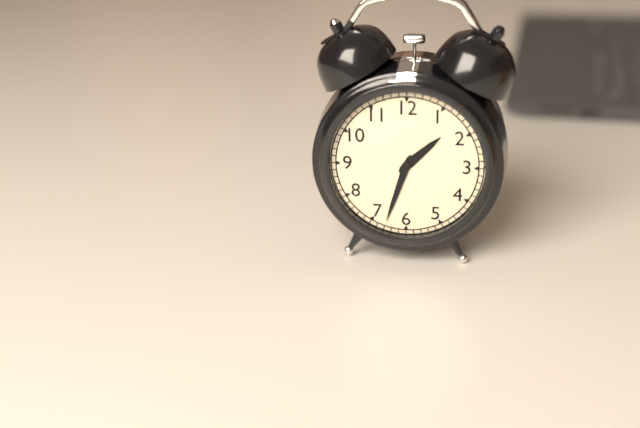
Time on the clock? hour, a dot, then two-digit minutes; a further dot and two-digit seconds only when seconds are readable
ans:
1.33
